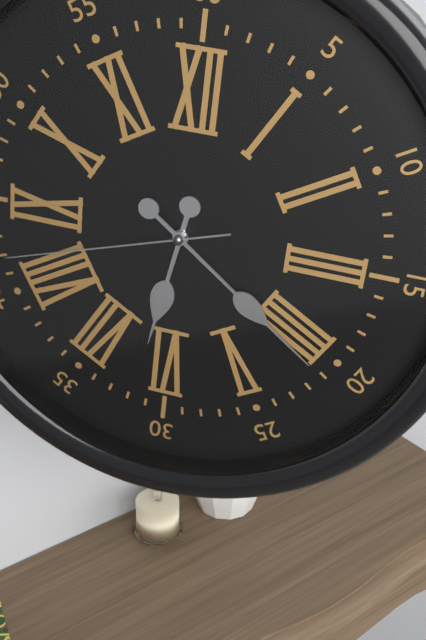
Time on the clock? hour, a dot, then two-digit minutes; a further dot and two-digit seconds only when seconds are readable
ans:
6.21.42
